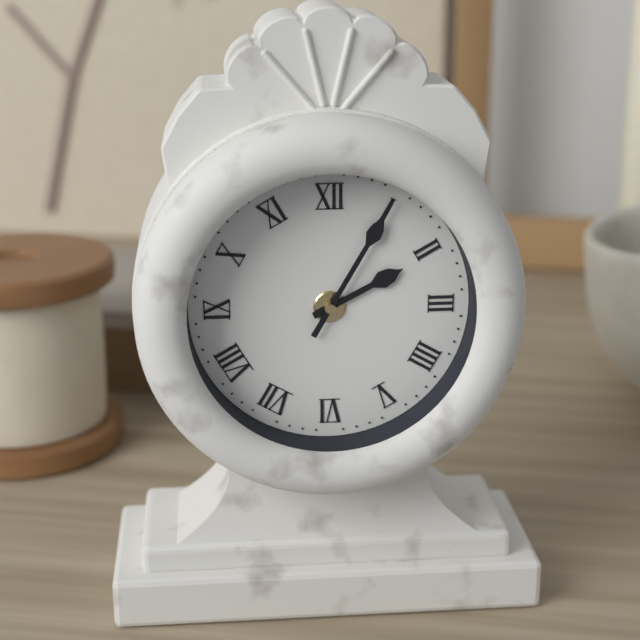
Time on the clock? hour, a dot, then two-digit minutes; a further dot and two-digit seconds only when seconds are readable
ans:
2.05
